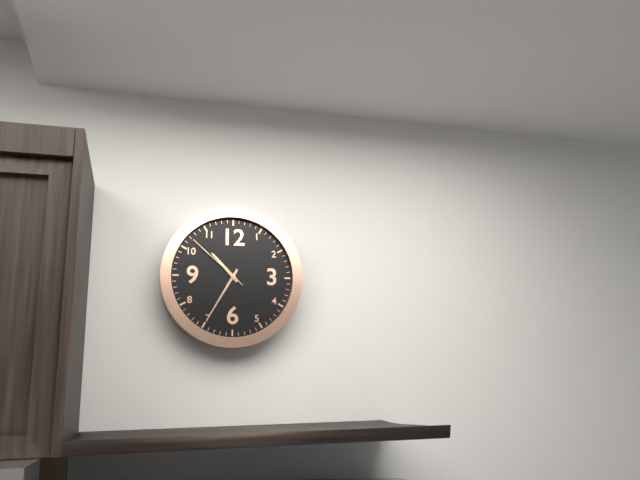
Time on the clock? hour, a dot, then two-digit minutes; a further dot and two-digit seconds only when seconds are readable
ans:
10.35.52
